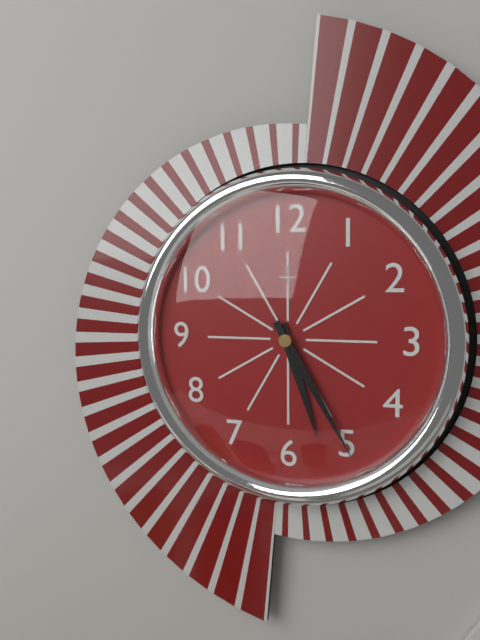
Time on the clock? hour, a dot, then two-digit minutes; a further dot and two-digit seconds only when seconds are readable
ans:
5.25
